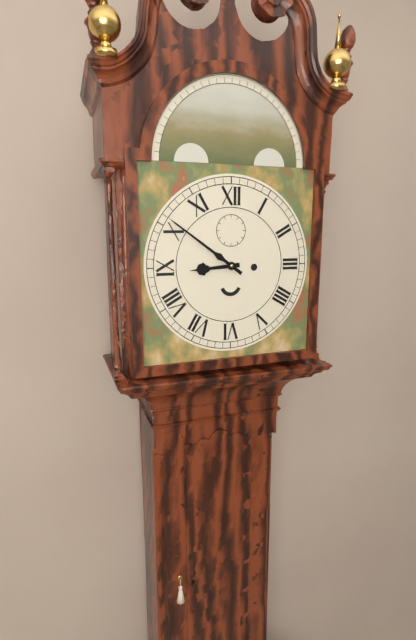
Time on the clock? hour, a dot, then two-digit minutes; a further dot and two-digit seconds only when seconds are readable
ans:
8.51
